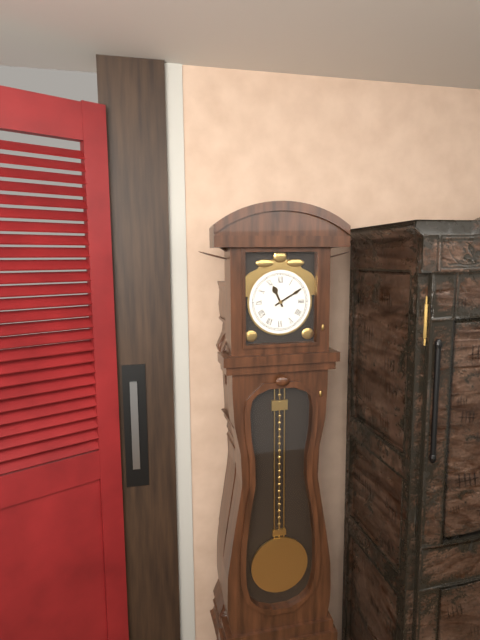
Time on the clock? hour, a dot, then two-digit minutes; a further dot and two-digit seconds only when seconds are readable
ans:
11.10
